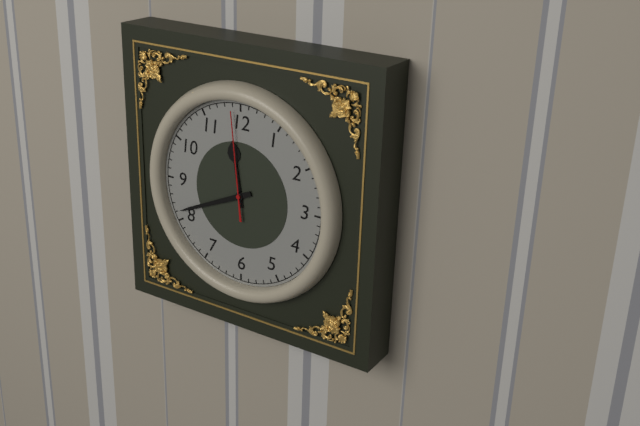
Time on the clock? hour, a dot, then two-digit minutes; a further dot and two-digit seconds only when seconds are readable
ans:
11.41.59
